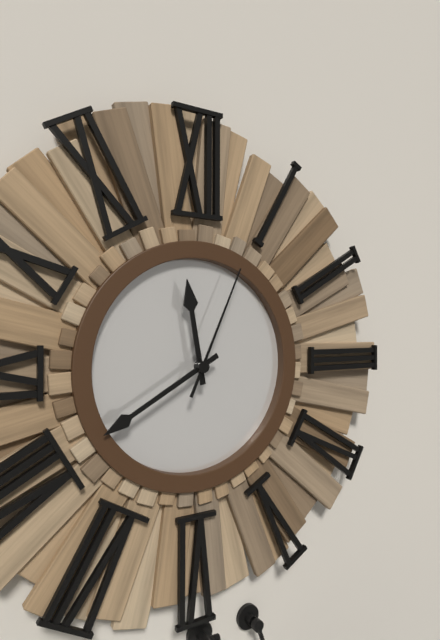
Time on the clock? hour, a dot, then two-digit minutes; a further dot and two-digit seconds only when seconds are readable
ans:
11.40.04
